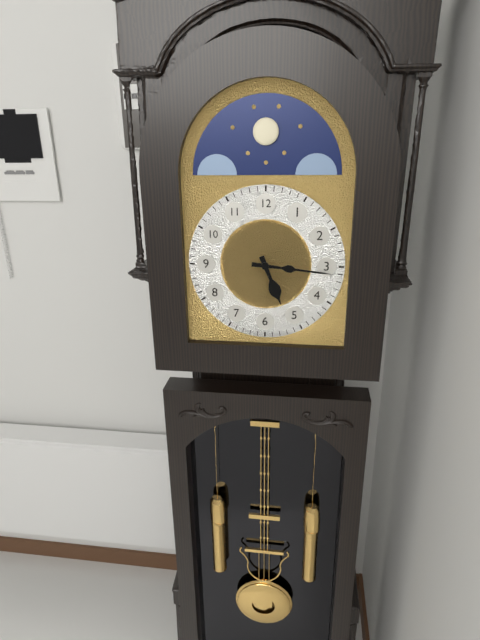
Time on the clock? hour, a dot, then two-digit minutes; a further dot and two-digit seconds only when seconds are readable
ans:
5.16
